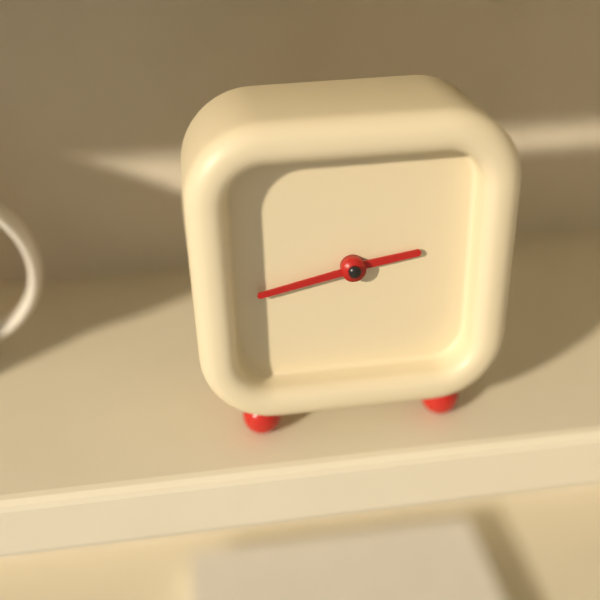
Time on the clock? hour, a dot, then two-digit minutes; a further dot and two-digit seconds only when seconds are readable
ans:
2.43
